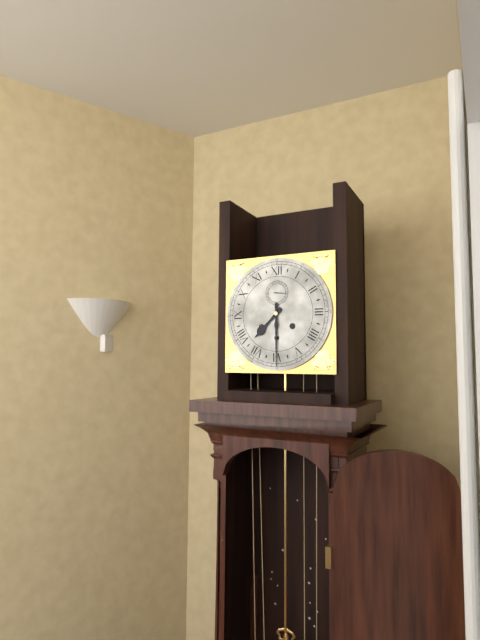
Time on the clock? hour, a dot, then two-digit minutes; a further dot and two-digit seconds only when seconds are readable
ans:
7.30
